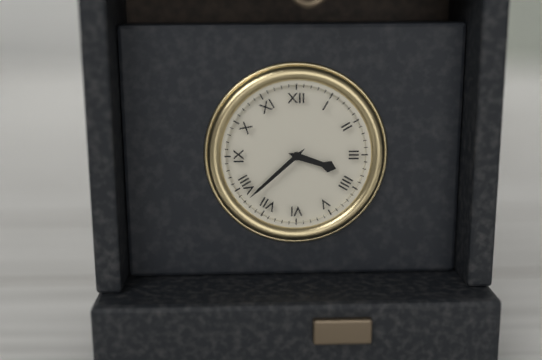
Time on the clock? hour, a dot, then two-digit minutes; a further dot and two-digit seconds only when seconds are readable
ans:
3.38
